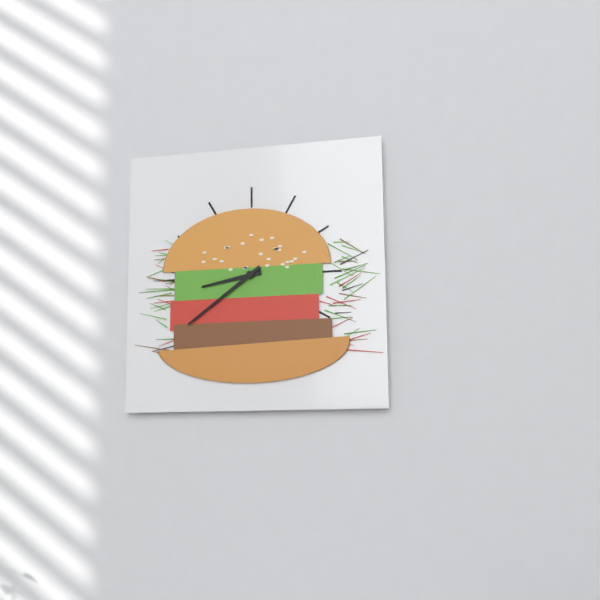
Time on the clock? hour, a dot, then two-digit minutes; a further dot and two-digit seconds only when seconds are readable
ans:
8.39
